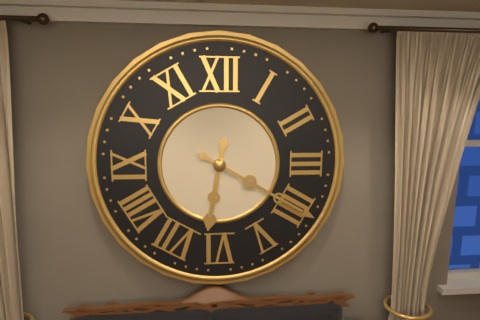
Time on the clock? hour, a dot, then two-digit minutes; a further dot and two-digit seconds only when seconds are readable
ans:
6.20
